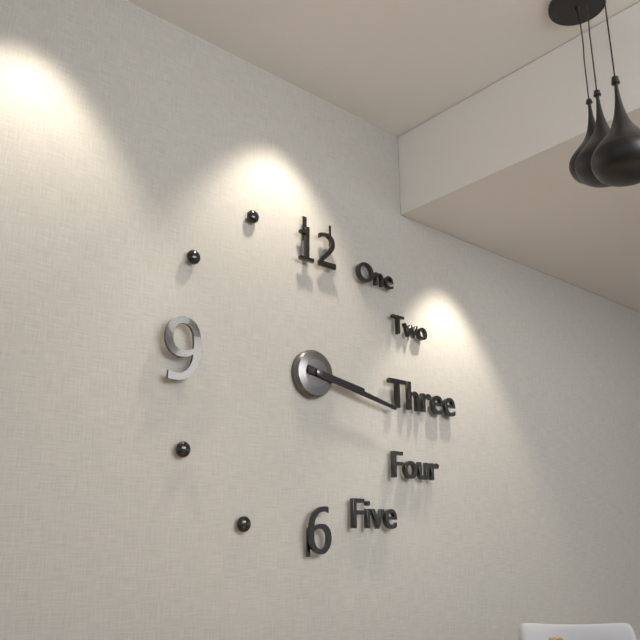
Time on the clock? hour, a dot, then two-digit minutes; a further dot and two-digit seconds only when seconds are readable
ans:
3.17
